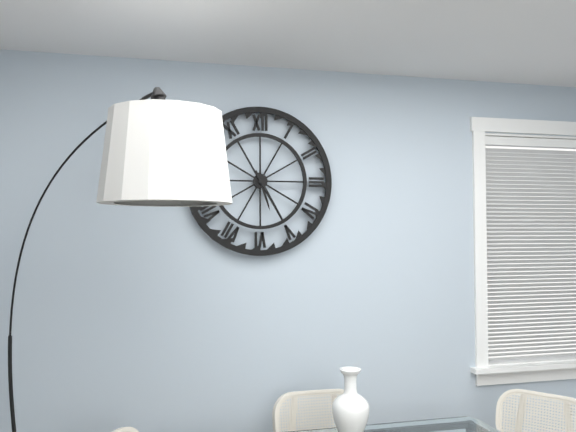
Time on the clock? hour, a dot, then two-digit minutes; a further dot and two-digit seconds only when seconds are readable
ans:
5.25
